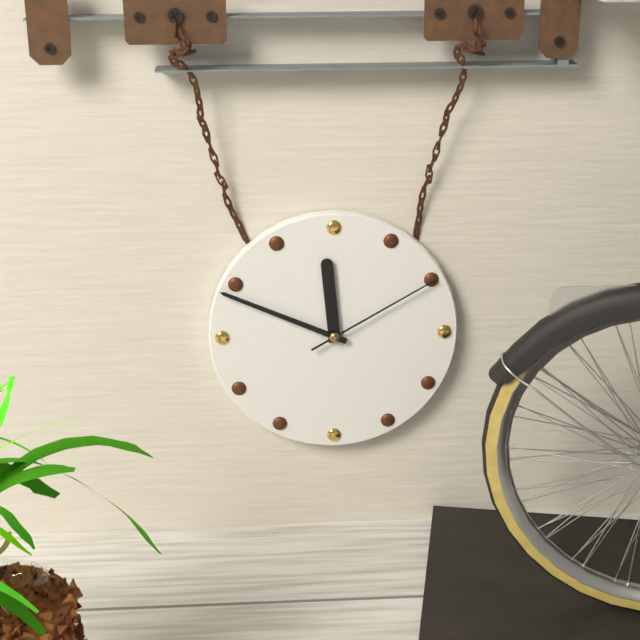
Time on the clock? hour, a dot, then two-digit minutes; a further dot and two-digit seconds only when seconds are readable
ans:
11.49.10
